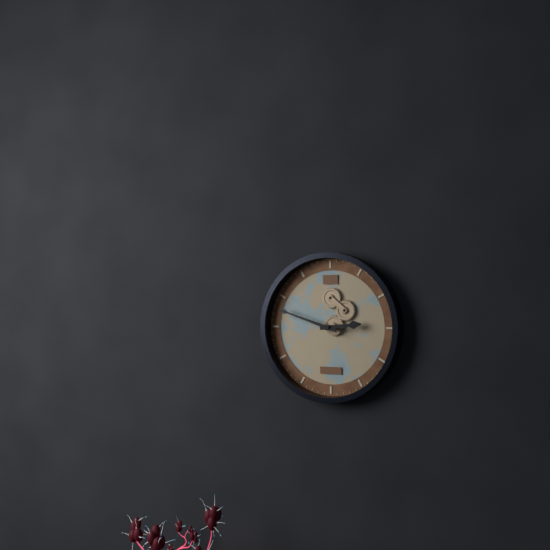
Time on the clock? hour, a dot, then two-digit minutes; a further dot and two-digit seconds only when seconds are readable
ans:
2.48
